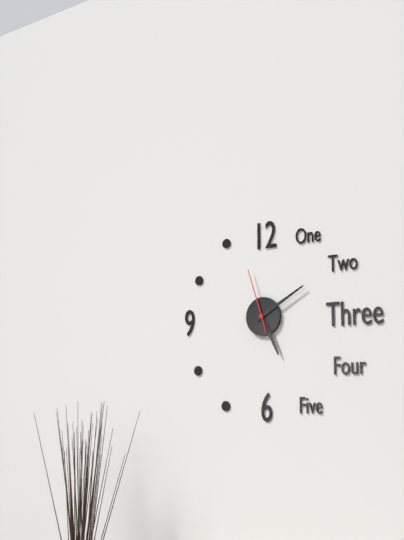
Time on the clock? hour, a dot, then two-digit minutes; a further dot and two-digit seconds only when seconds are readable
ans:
5.10.57
